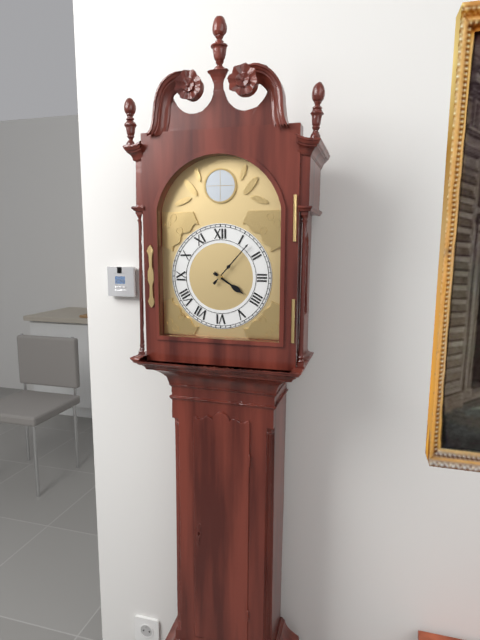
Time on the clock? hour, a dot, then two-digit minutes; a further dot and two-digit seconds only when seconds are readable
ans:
4.07
